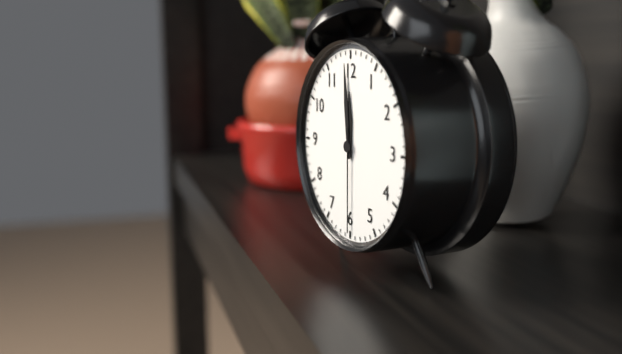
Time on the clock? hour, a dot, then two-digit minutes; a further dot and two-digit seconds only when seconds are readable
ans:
11.59.30
